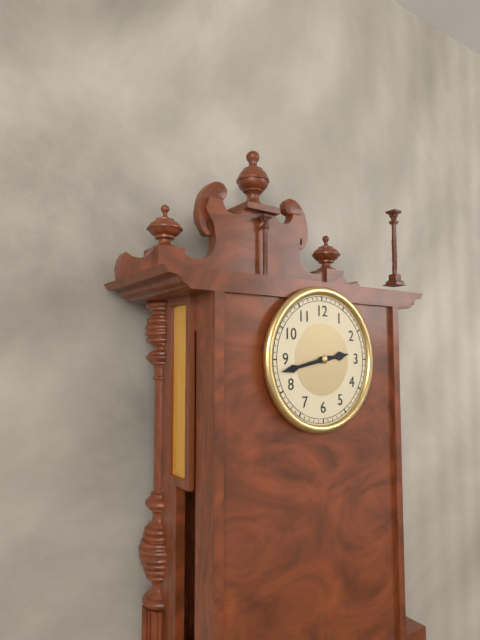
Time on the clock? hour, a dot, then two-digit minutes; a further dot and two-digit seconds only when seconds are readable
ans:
2.43
